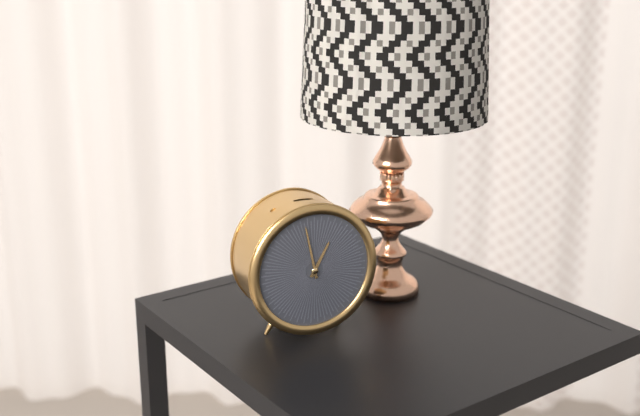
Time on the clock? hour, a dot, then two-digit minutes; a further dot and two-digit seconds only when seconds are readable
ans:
12.58
